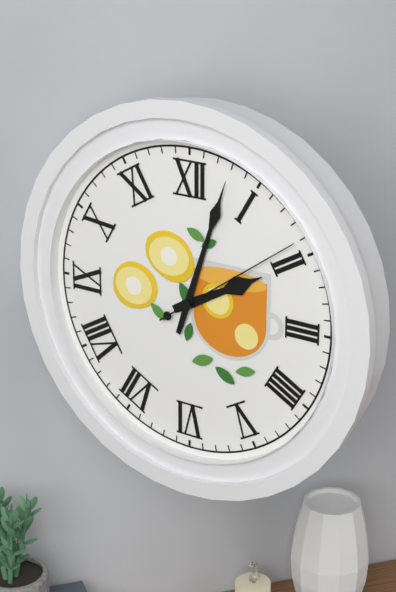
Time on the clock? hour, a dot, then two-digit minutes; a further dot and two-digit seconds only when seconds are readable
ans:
2.03.09
